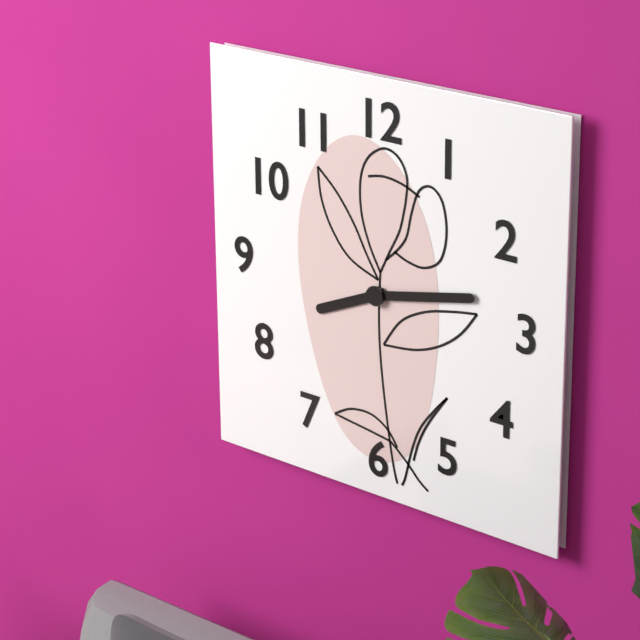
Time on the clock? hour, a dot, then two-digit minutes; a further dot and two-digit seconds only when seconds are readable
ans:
8.13
